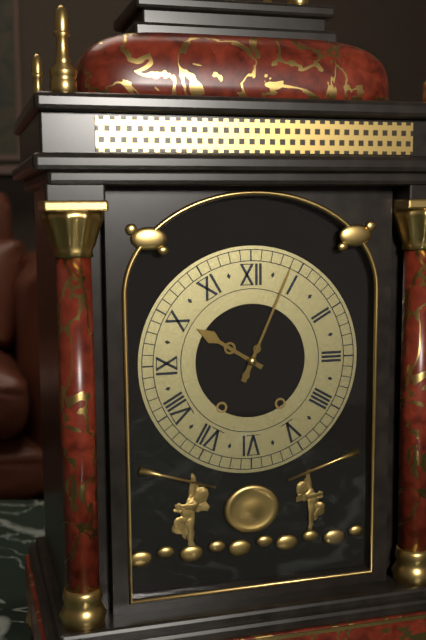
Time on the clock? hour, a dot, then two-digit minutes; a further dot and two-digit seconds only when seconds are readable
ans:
10.04
